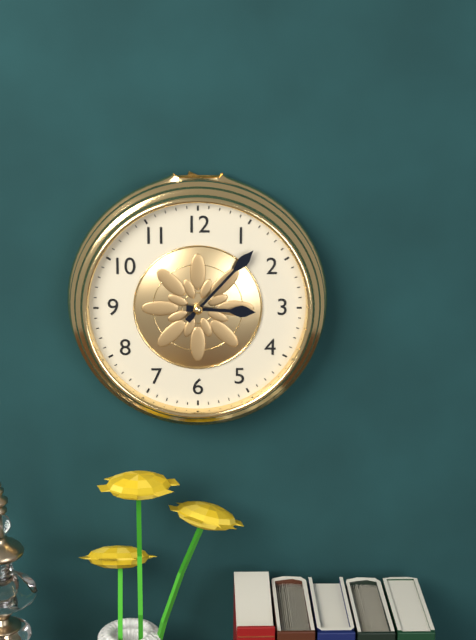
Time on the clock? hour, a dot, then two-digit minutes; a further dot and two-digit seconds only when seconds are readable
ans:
3.07
